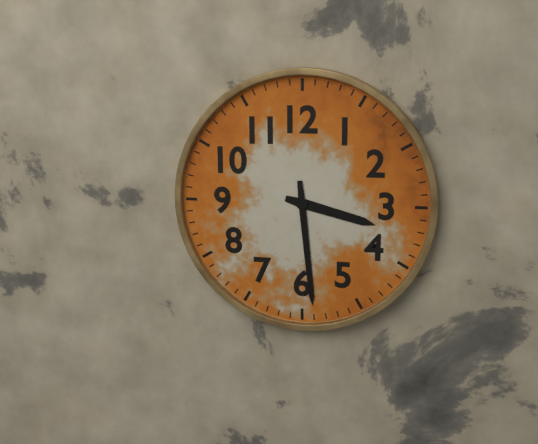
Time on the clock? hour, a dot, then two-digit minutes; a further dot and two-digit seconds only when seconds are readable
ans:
3.29
